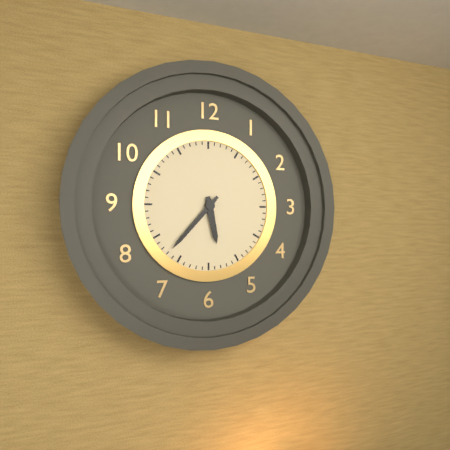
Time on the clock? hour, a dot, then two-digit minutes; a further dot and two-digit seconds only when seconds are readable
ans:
5.37
